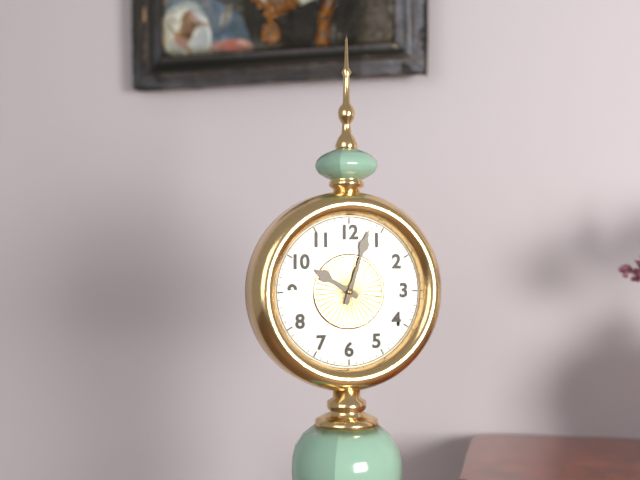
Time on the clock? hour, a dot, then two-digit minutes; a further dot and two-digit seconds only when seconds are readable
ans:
10.03
